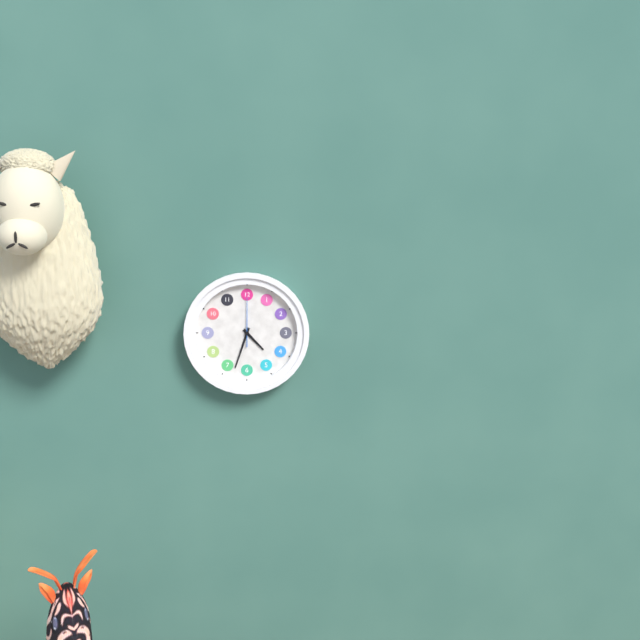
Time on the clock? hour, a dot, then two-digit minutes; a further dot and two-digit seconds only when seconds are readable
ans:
4.33
